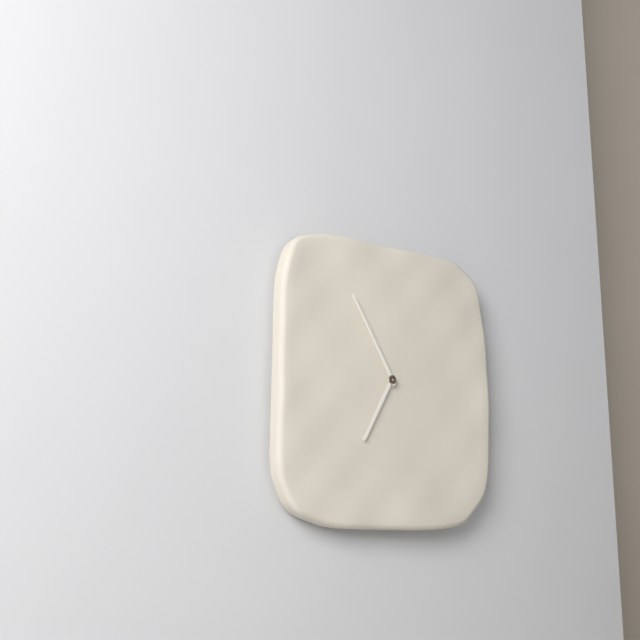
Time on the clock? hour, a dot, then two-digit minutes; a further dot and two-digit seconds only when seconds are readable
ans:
6.55
